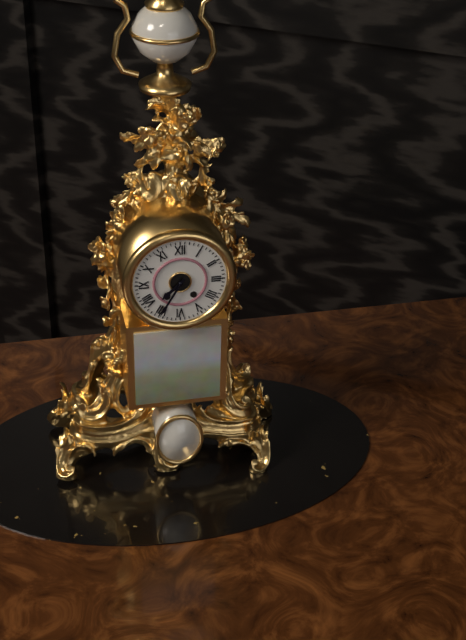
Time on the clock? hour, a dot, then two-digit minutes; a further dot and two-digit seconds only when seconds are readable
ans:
7.35
